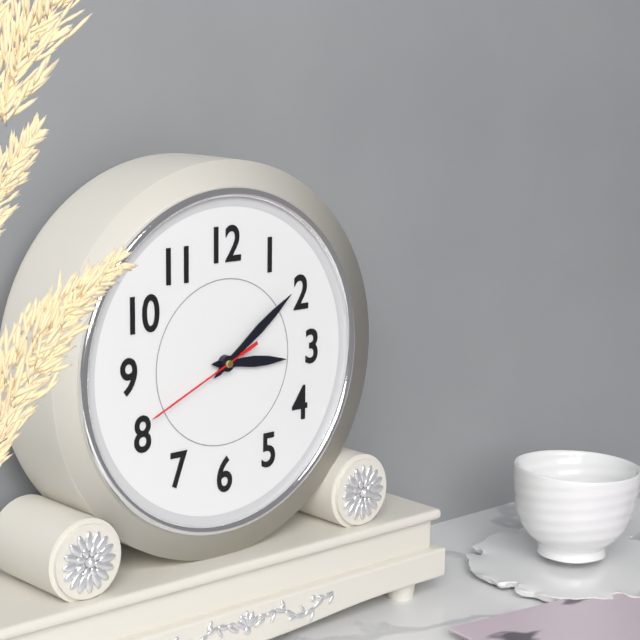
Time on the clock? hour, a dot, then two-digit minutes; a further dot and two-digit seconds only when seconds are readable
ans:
3.09.41
